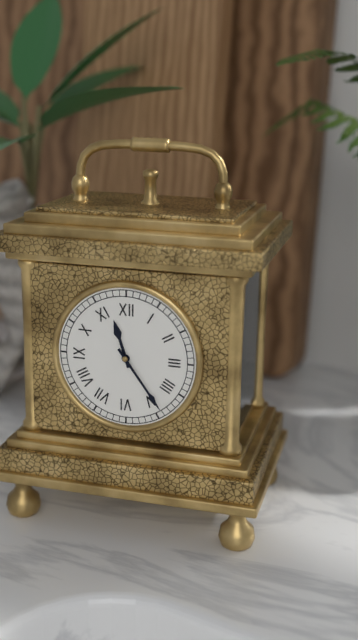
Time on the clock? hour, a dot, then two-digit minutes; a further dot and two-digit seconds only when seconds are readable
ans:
11.24
